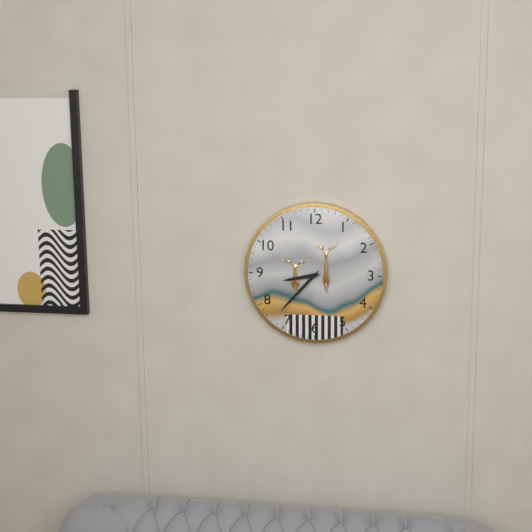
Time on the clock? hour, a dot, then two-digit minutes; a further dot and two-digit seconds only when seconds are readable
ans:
8.37
